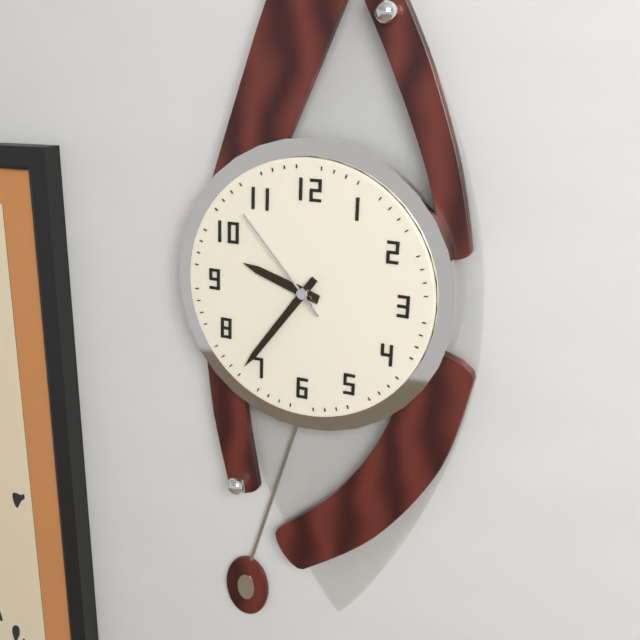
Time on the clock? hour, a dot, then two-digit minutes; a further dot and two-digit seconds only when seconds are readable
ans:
9.36.53
